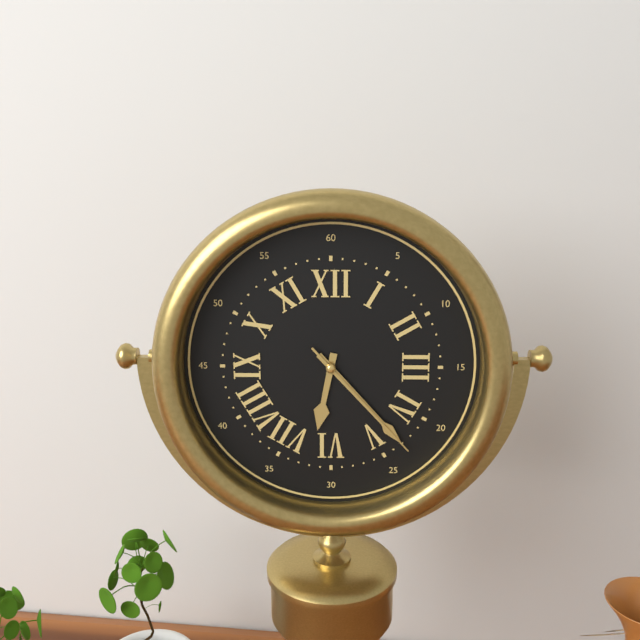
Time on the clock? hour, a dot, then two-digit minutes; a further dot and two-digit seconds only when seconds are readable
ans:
6.23.23
